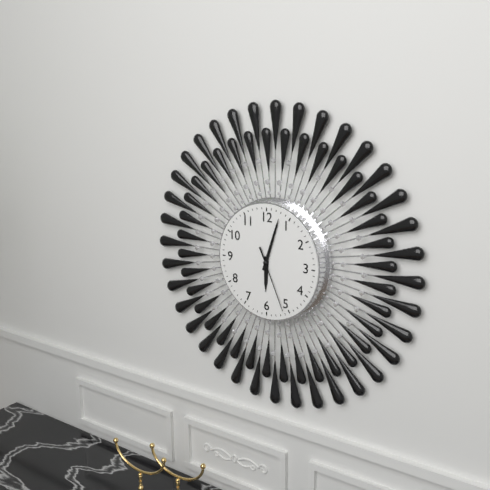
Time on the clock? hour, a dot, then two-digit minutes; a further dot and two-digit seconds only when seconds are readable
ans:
6.03.26
